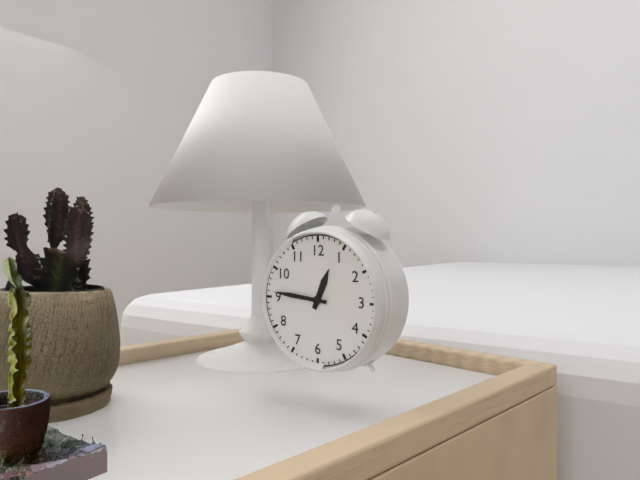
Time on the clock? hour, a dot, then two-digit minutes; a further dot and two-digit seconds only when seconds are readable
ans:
12.46
